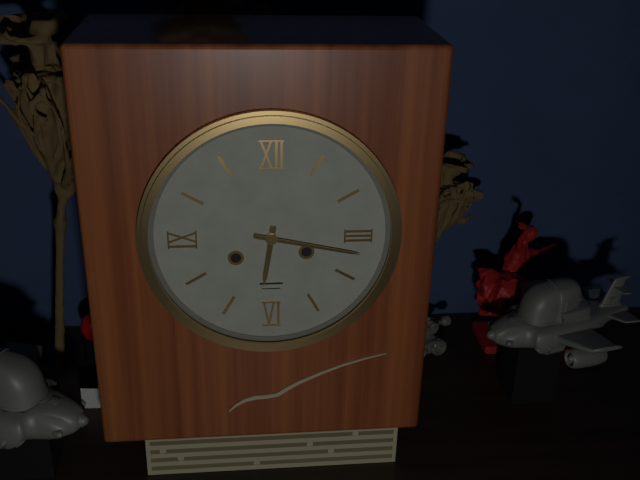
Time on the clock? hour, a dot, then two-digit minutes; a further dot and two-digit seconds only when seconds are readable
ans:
6.17
